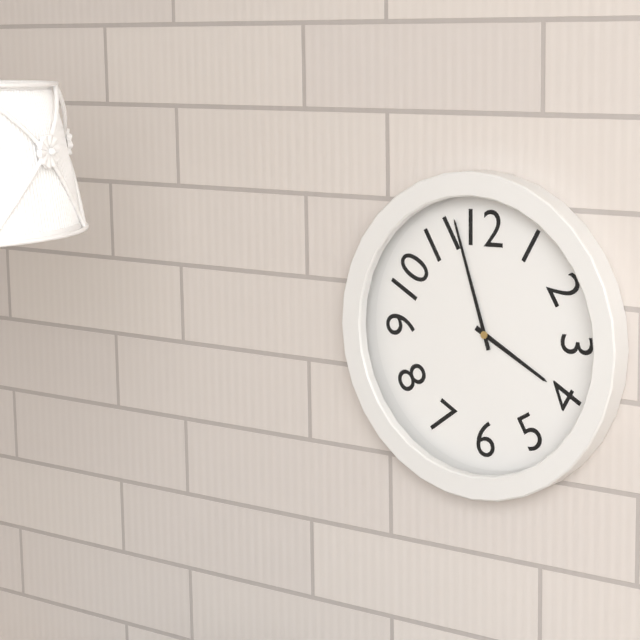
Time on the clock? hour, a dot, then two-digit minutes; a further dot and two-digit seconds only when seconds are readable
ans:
3.57
